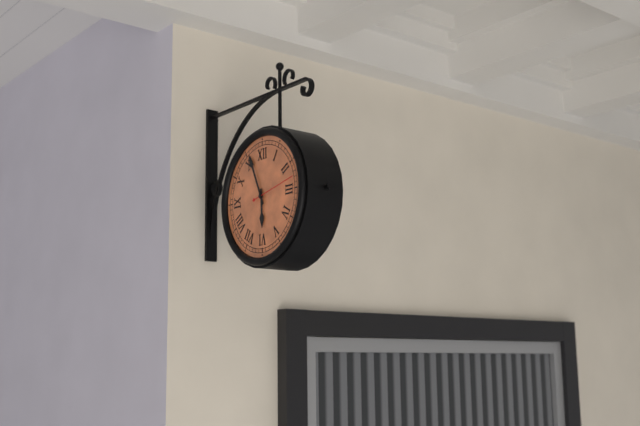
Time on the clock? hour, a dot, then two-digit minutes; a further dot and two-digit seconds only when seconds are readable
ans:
5.56
